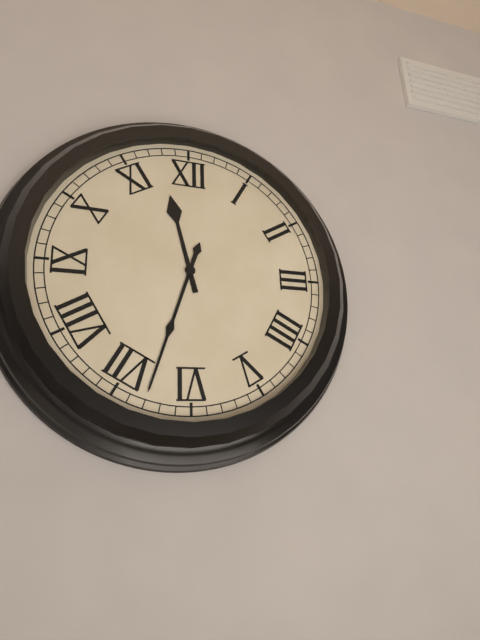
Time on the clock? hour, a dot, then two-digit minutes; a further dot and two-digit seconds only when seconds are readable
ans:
11.33
